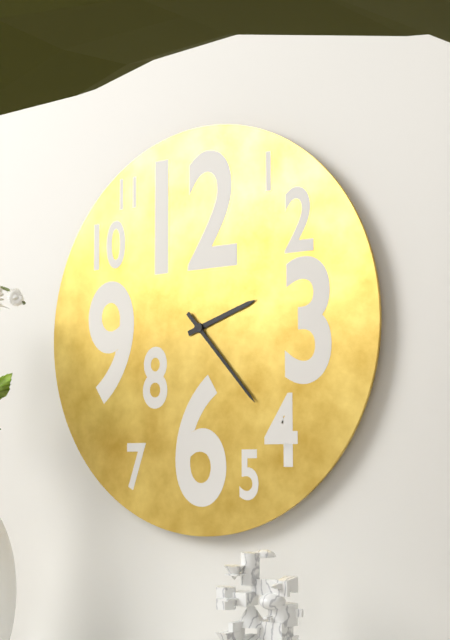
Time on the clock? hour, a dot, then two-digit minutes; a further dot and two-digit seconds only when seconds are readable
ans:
2.23
